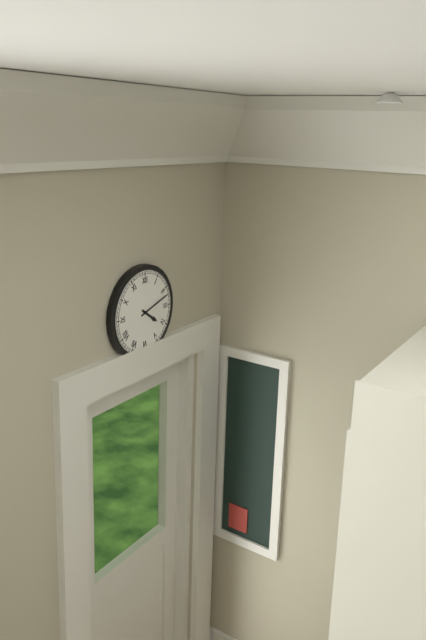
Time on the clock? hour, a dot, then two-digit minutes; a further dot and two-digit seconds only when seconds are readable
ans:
4.12
